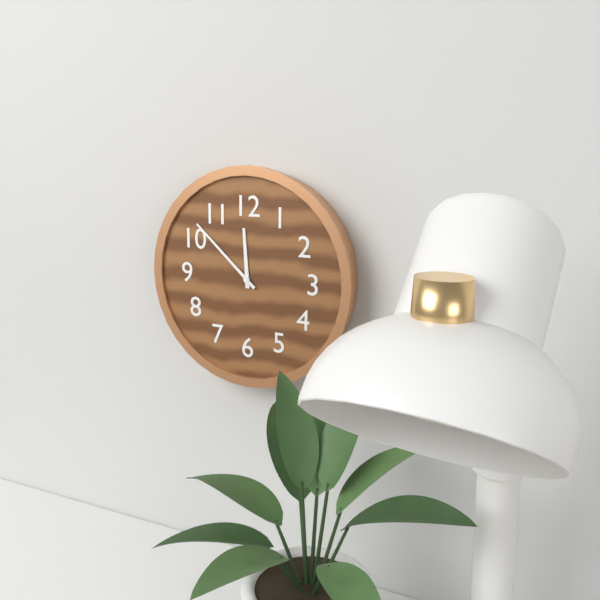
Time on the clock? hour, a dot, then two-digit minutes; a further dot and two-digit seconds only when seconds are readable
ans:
11.52
